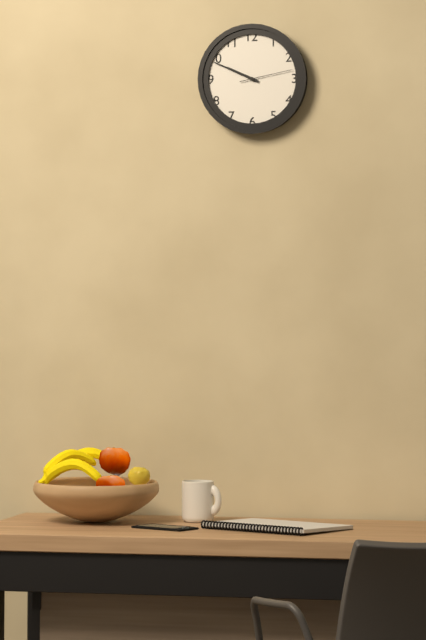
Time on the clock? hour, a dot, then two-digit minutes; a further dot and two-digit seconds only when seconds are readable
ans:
9.49.13
